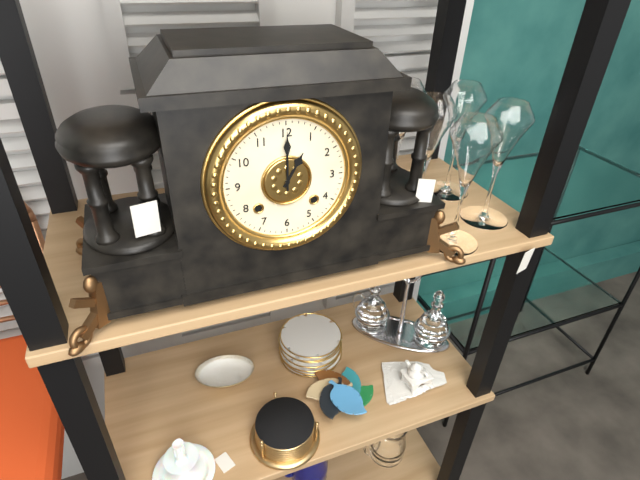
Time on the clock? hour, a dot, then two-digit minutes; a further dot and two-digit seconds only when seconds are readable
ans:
1.00
